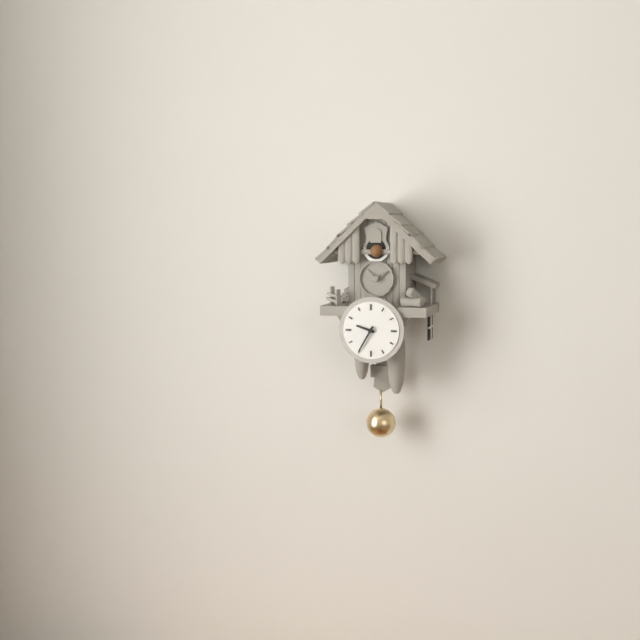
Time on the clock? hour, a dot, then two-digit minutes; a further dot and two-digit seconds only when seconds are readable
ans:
9.35
